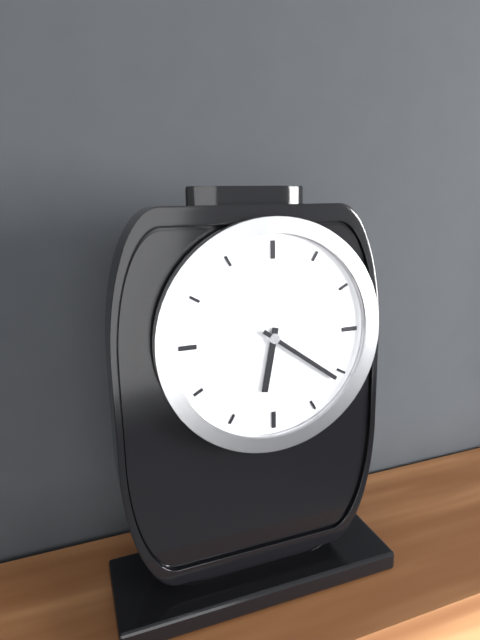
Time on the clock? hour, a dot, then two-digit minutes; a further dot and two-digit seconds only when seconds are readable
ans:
6.21
